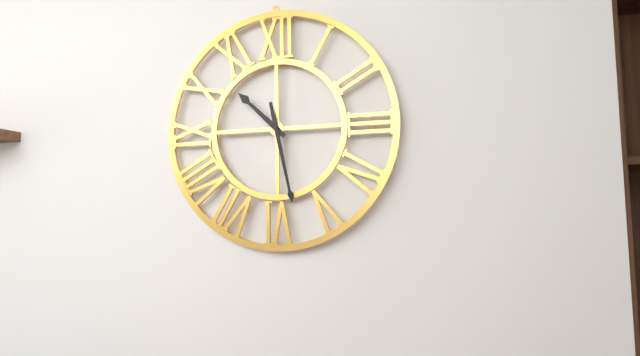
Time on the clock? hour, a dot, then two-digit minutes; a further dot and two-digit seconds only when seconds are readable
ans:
10.28
